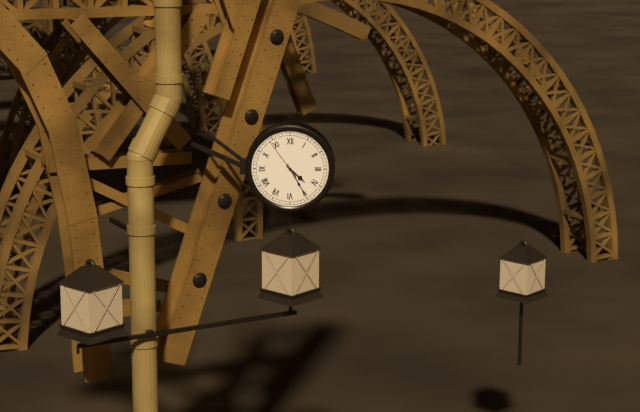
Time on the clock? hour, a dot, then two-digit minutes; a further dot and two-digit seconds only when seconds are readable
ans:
4.25
